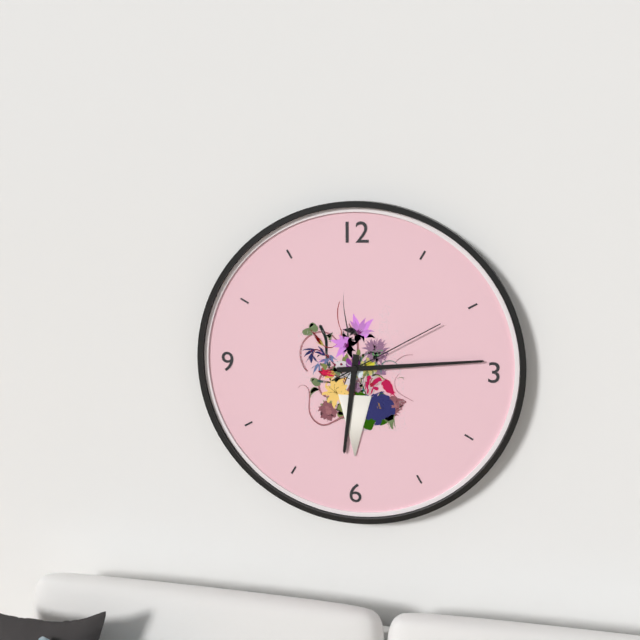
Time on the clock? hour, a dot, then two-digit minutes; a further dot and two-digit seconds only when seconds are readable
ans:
6.14.10
